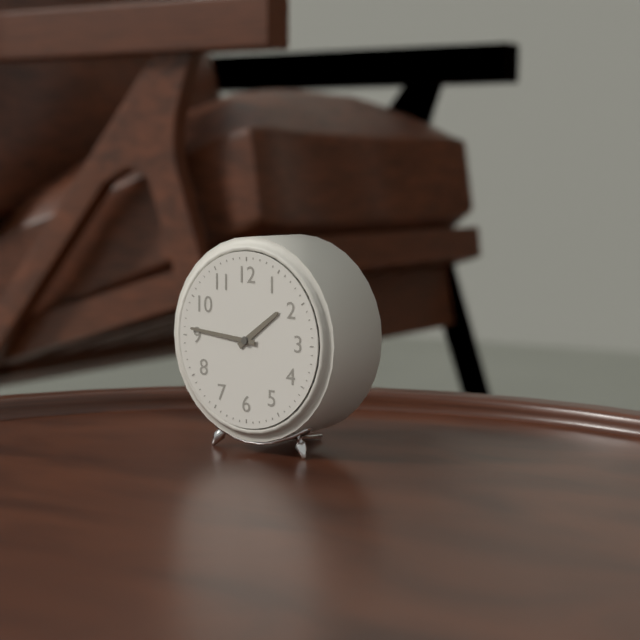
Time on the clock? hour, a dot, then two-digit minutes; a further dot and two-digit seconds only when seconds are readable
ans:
1.46
